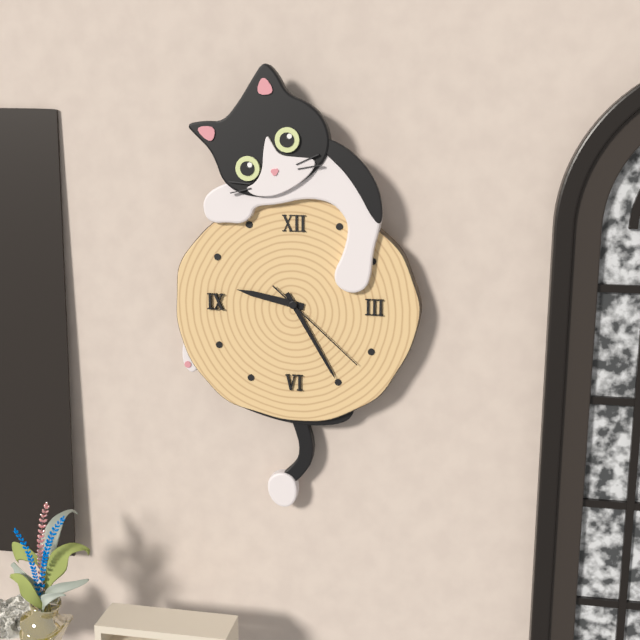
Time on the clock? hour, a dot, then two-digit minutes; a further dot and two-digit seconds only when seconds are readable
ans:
9.25.22
